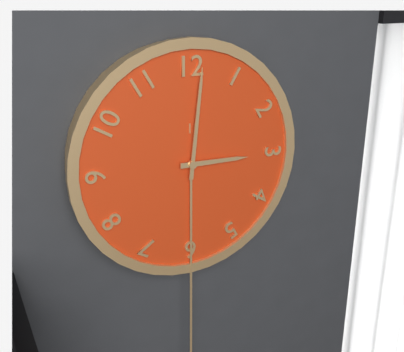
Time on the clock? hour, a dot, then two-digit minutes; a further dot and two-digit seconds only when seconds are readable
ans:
3.01
